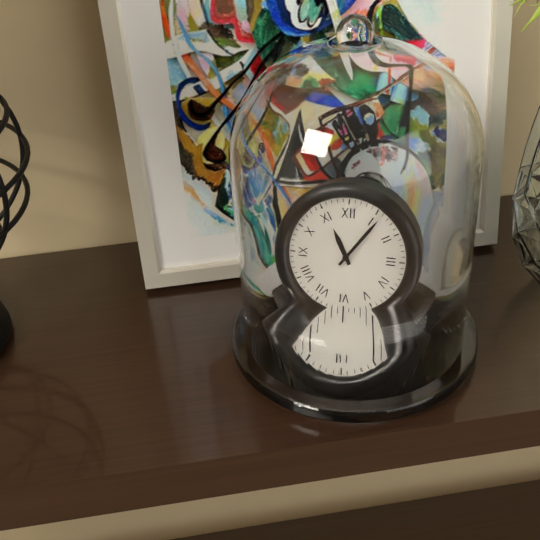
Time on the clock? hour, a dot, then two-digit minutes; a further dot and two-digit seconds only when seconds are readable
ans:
11.06
